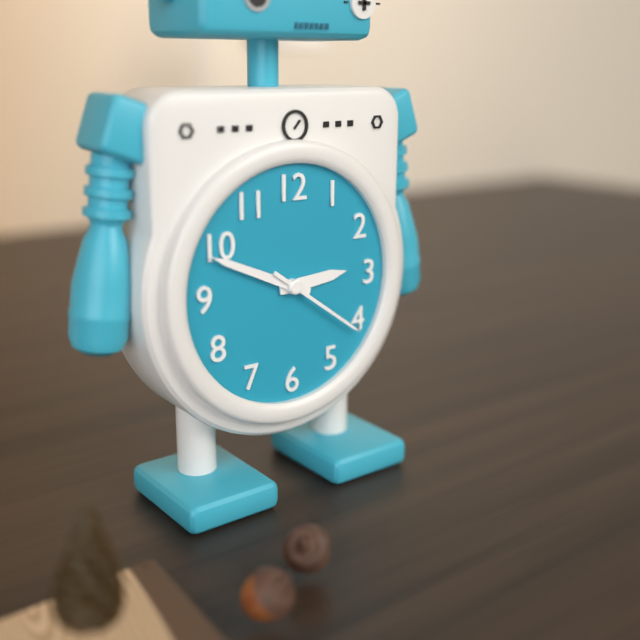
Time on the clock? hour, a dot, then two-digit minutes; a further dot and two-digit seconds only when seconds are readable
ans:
2.49.21
